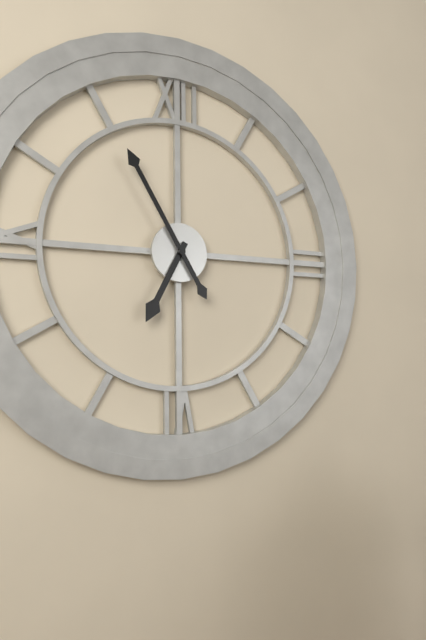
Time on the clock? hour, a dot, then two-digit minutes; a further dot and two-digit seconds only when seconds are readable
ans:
6.55
